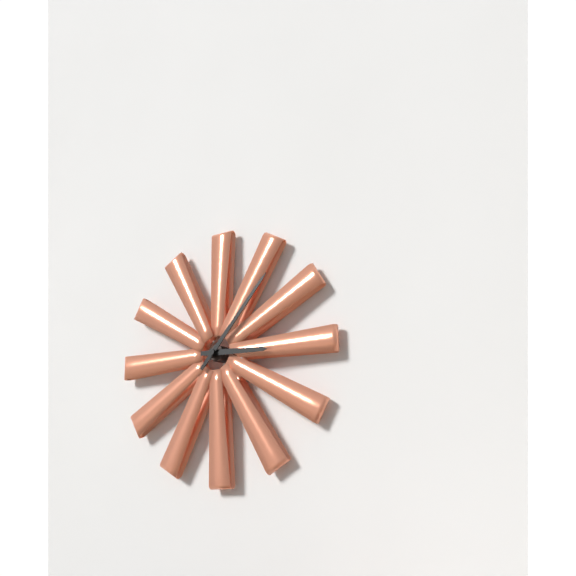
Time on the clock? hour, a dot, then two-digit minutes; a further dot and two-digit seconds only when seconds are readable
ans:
3.07
